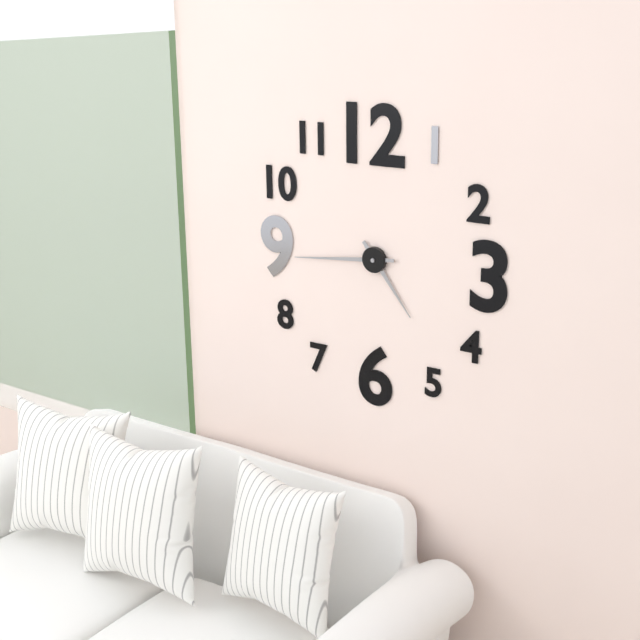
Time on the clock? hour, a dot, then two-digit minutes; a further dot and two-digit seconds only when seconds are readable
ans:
4.44
